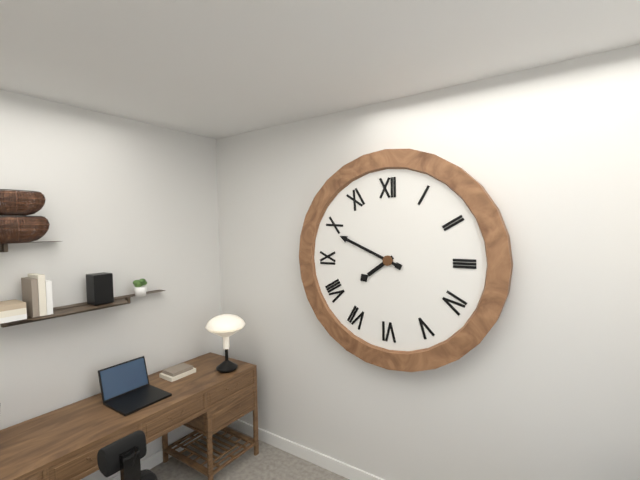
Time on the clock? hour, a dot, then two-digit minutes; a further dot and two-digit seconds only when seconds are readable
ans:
7.49
